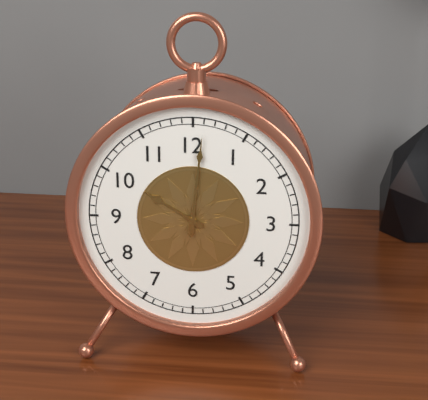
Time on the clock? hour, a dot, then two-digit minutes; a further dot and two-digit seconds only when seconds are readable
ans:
10.01
